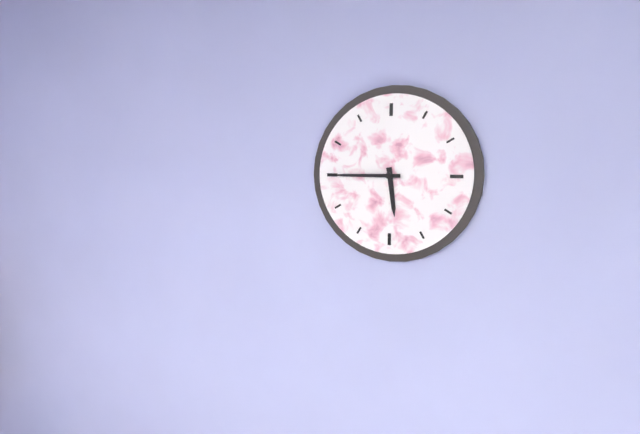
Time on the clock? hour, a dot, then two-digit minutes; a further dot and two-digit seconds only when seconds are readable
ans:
5.45
